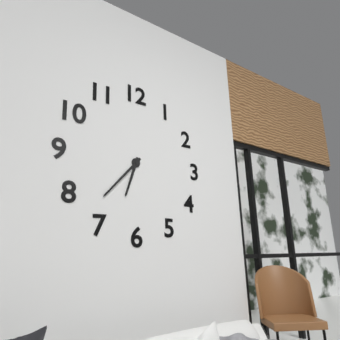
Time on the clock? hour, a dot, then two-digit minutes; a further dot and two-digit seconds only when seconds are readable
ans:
6.37
